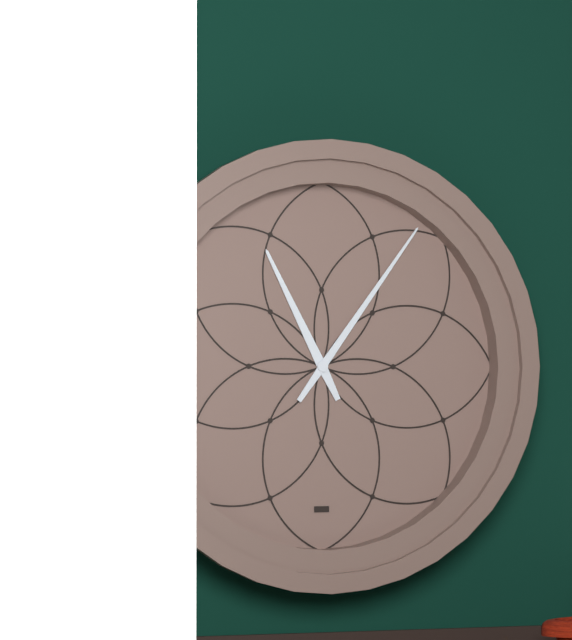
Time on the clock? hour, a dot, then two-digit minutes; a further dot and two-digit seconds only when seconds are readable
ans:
11.06
